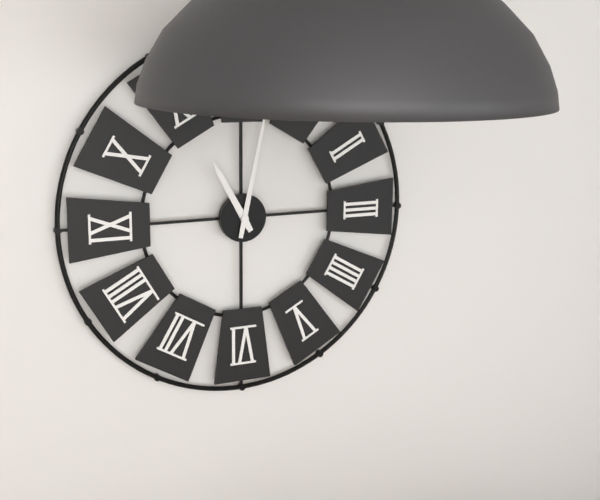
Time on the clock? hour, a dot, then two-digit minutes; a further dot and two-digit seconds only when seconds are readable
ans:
11.02
